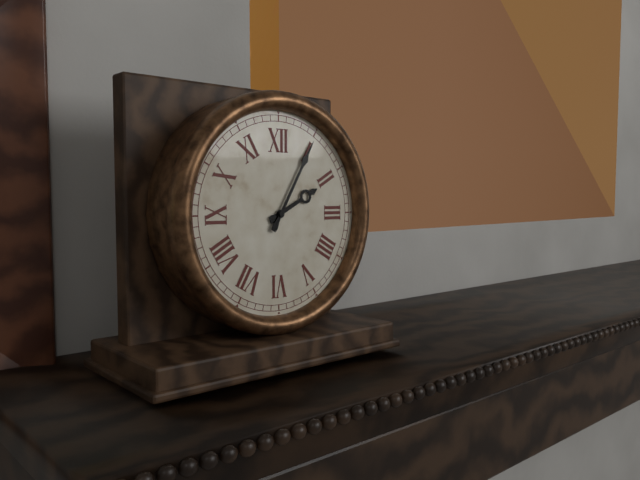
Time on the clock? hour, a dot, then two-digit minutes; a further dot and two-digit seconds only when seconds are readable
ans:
2.05
